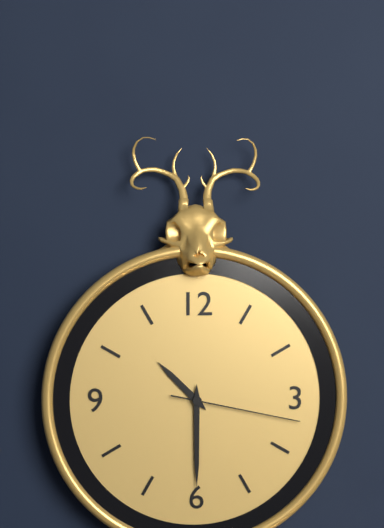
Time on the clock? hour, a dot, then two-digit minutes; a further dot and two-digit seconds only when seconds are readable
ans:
10.30.17
